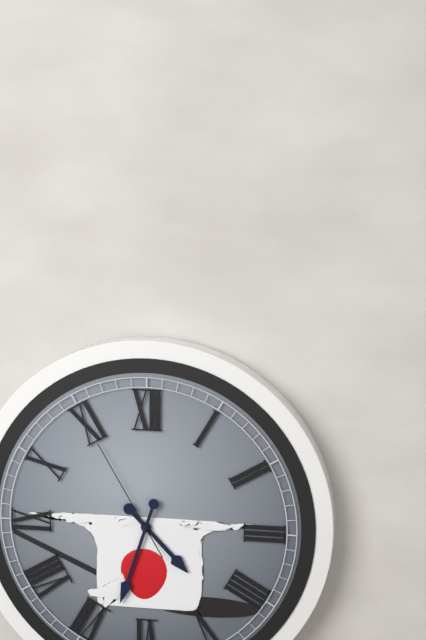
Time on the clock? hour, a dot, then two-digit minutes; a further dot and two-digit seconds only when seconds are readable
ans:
4.33.55
